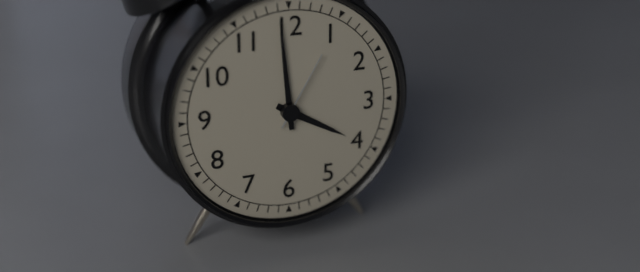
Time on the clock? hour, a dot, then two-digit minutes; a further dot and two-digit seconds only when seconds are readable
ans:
3.59.05
